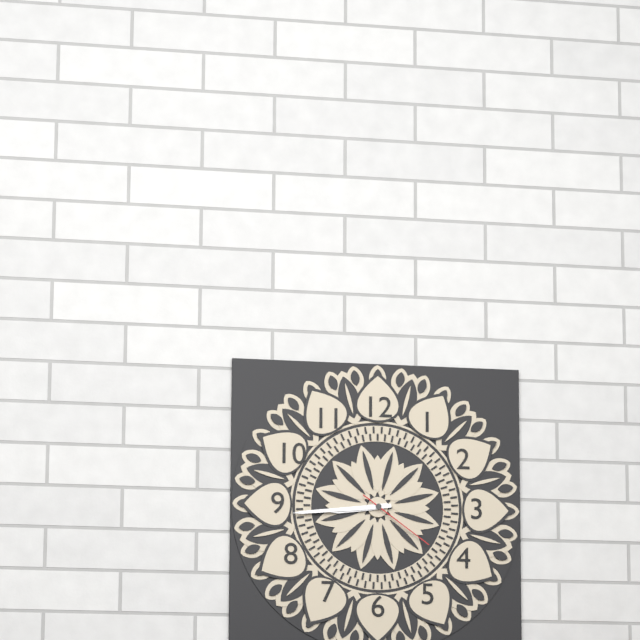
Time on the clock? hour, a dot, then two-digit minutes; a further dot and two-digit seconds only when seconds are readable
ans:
8.44.21
